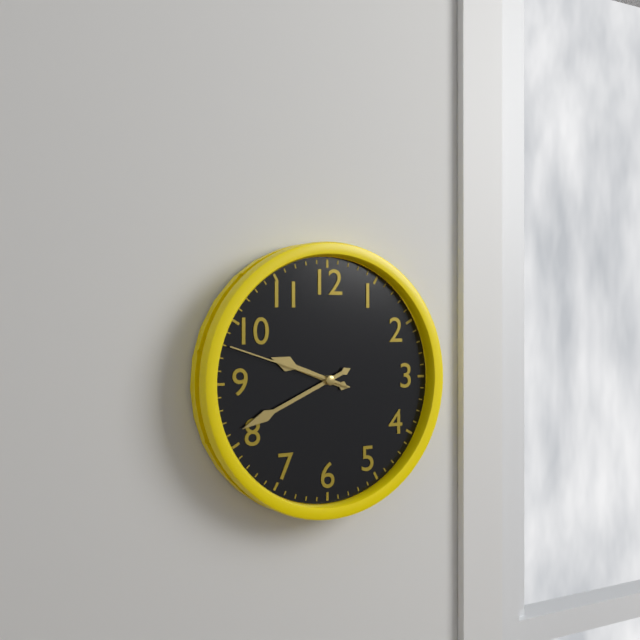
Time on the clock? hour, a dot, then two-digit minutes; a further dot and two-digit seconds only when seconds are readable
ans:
9.41.48
